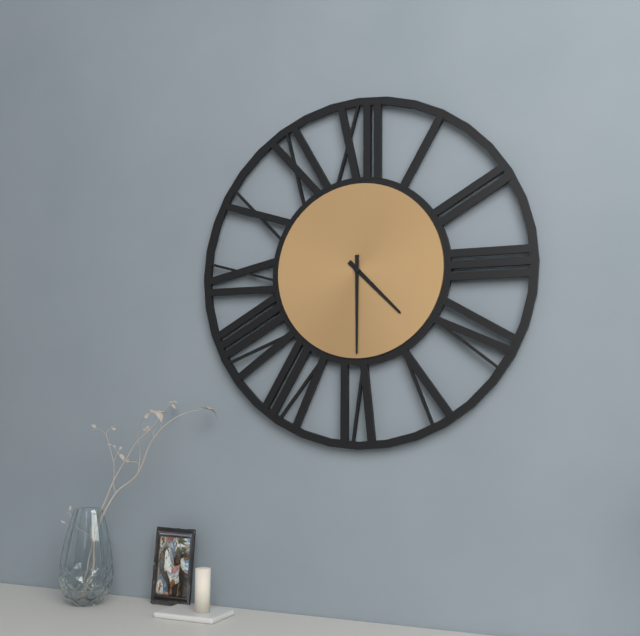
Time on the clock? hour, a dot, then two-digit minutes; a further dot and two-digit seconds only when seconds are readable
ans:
4.30
